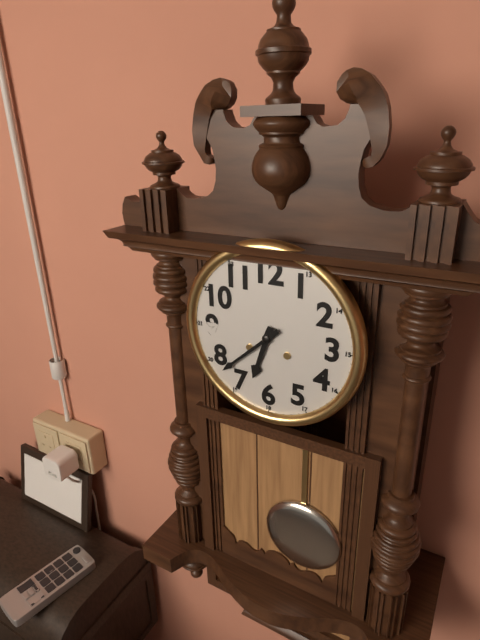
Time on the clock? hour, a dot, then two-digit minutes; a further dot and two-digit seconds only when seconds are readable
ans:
6.38
